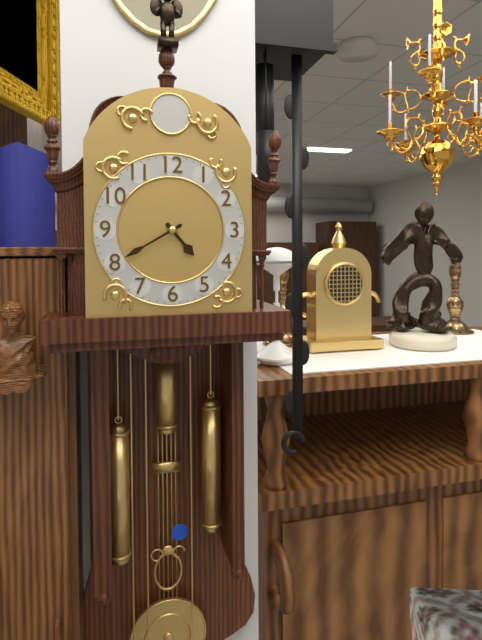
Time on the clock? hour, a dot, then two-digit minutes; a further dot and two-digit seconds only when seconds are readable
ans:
4.40
